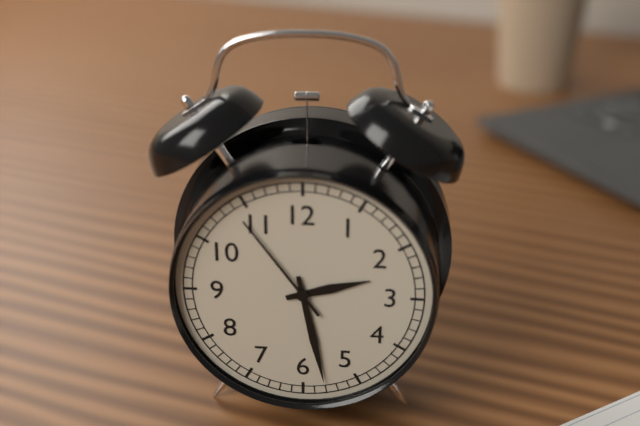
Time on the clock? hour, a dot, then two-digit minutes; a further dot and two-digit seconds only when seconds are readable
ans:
2.28.54
